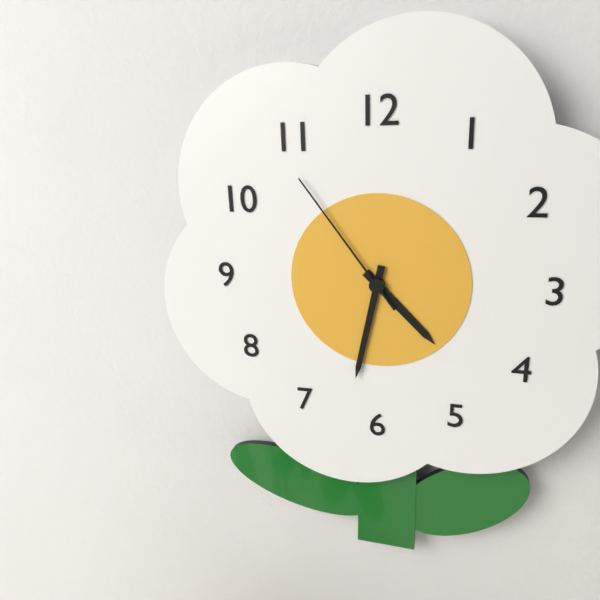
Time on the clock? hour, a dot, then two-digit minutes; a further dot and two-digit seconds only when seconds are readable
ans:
4.32.54
